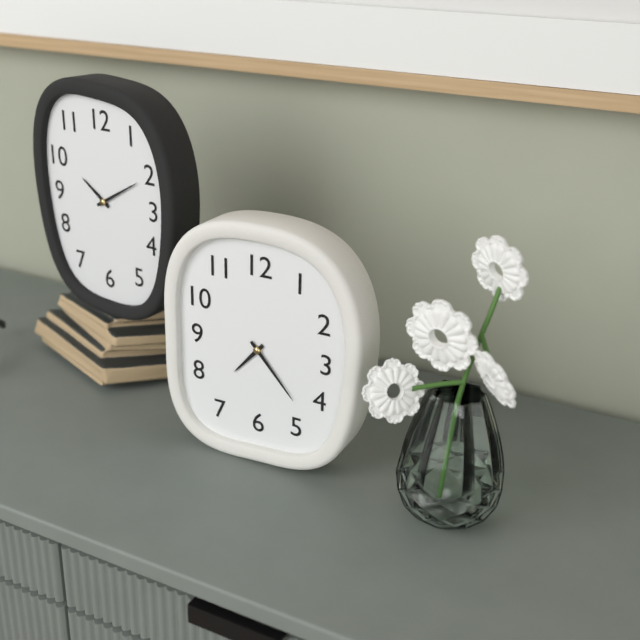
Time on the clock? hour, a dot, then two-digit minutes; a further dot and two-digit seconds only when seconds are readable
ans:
7.23
